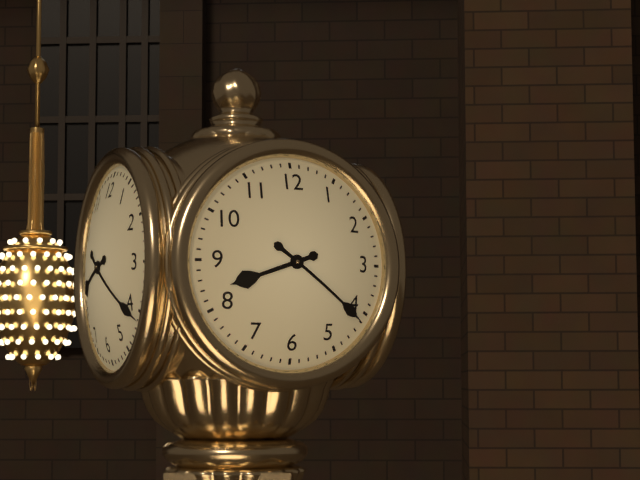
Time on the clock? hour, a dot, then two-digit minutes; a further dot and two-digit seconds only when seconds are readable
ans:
8.21
